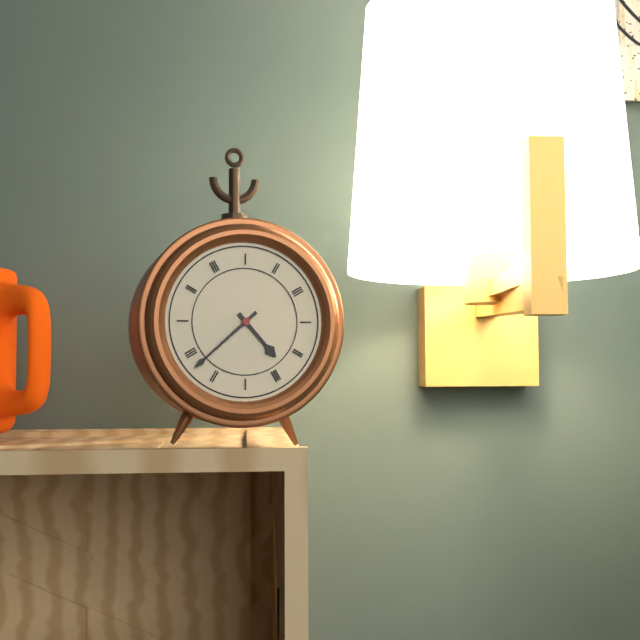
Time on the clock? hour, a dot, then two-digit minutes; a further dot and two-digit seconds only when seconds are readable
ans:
4.38
